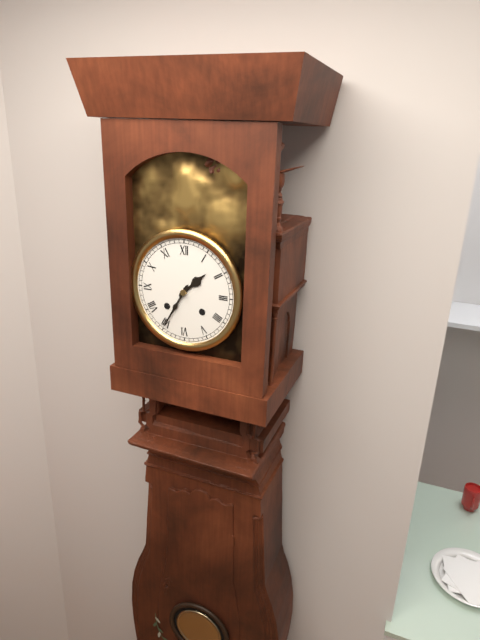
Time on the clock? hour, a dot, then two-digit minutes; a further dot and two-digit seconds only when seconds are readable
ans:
1.35
